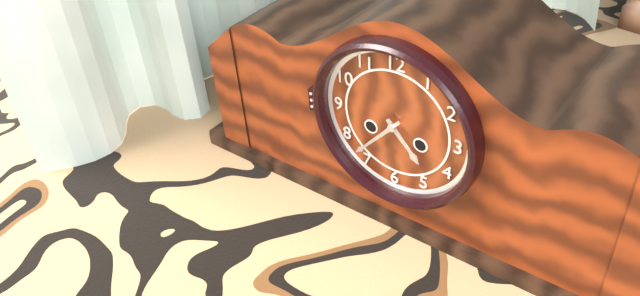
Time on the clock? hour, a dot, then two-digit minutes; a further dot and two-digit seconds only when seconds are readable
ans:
4.37
